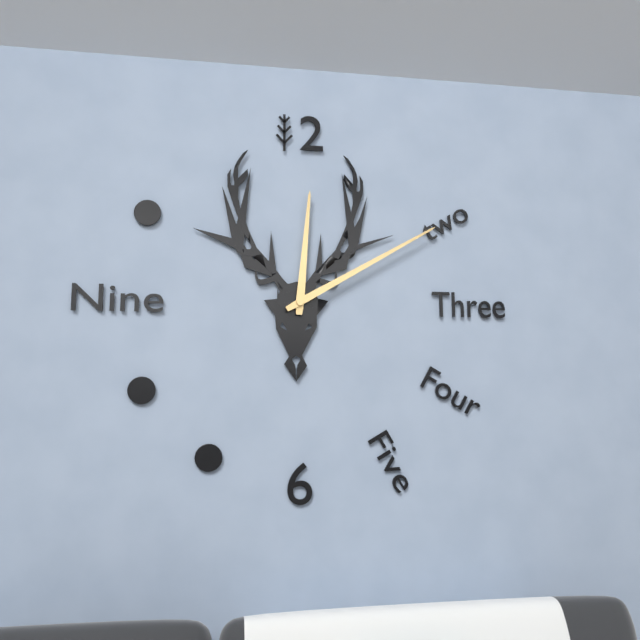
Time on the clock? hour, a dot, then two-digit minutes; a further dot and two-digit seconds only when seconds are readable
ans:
12.10
